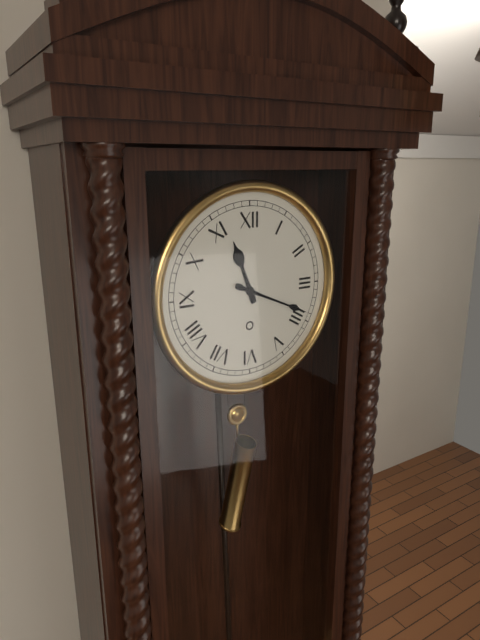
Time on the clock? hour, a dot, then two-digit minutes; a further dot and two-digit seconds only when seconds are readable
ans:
11.19
